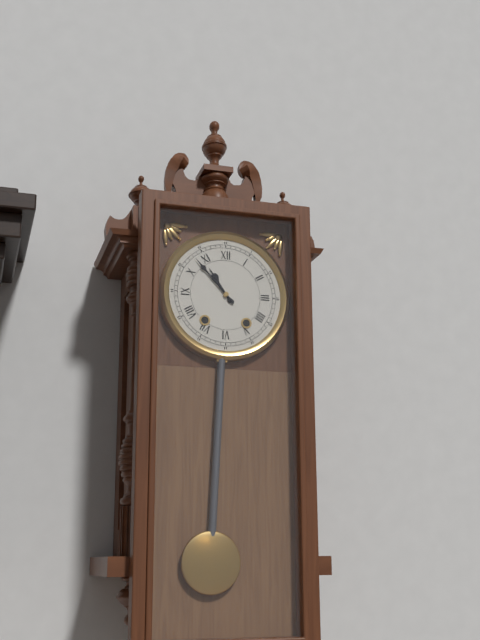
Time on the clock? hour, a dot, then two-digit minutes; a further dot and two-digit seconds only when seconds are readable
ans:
10.53
